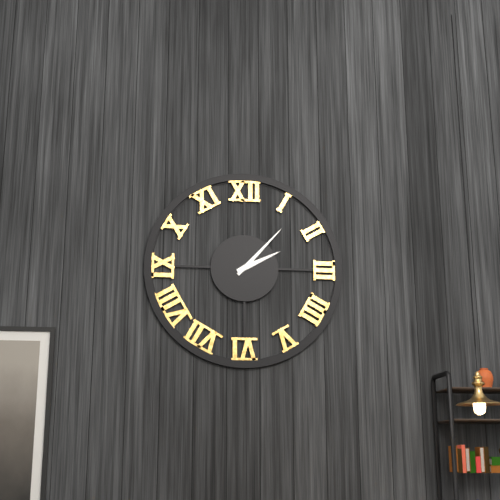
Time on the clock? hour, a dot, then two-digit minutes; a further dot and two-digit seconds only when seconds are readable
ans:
2.07
